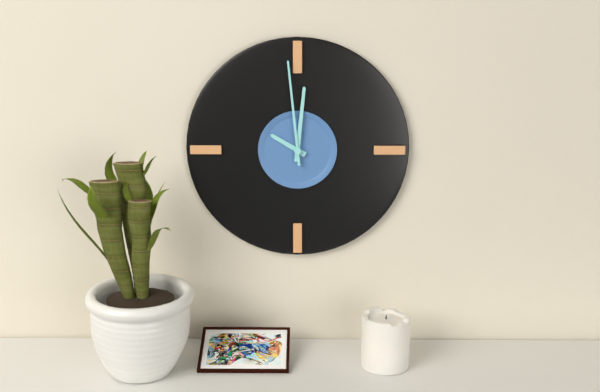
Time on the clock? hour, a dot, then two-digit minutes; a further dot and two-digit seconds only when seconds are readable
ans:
10.01.59
